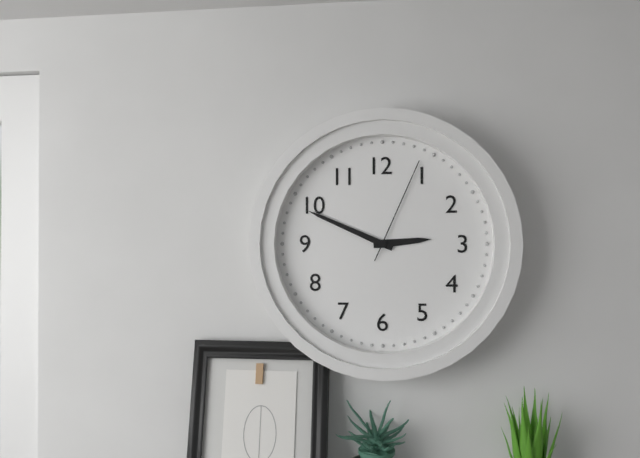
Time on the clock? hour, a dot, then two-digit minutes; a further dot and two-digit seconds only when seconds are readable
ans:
2.49.04
